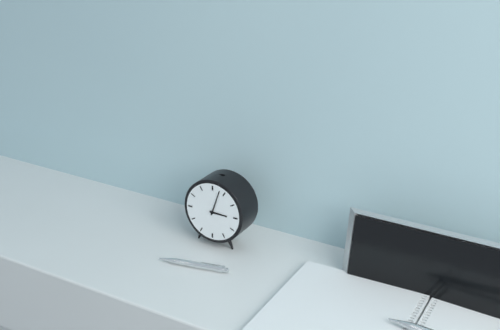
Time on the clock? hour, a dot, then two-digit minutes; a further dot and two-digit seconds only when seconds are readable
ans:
3.03
